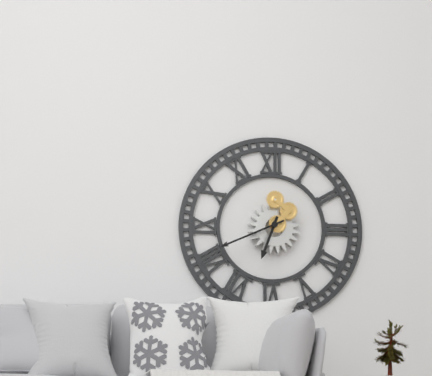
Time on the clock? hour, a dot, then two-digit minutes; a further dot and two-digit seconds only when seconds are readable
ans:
6.41
